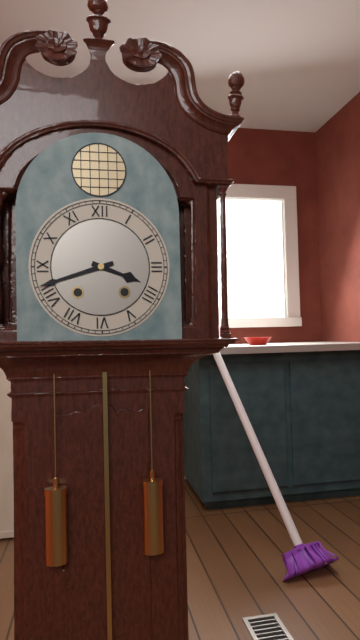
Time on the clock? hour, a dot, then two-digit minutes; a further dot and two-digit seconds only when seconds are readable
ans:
3.42
